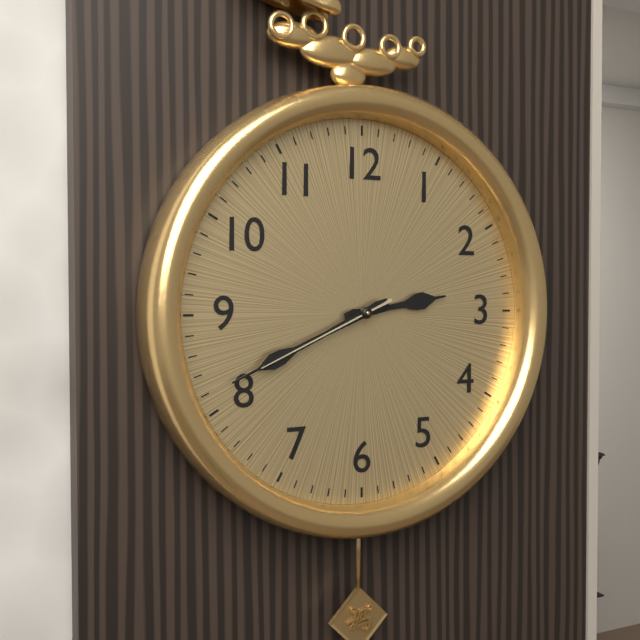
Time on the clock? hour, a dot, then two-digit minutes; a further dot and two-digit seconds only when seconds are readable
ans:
2.41.41
